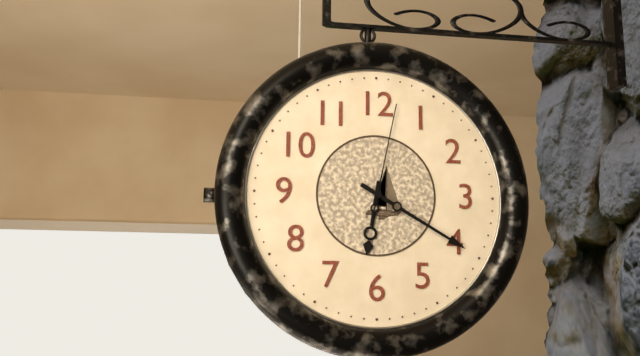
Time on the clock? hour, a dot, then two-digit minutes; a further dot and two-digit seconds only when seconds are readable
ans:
6.20.02
